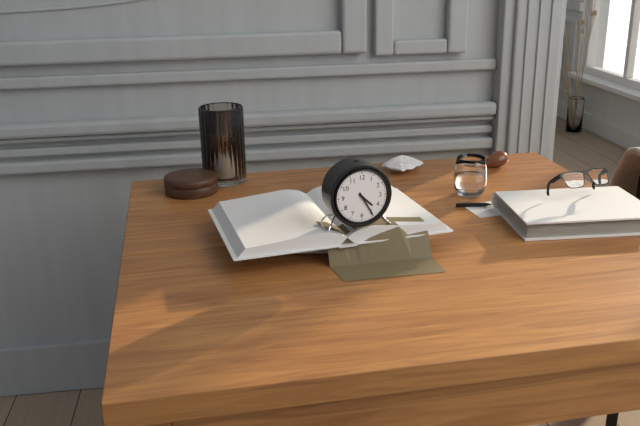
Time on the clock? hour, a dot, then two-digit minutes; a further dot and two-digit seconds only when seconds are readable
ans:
4.25
